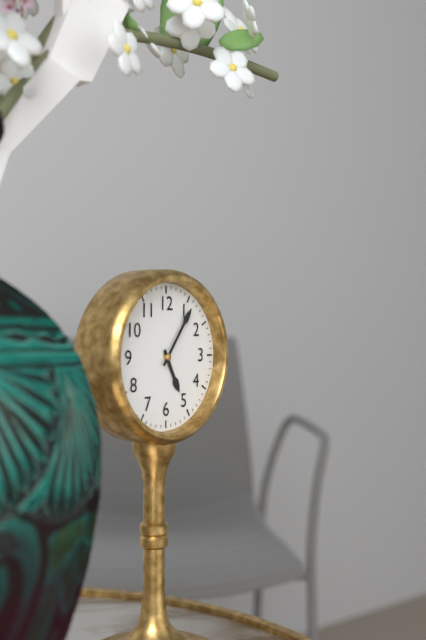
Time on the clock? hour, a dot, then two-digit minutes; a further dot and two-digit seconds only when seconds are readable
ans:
5.06
